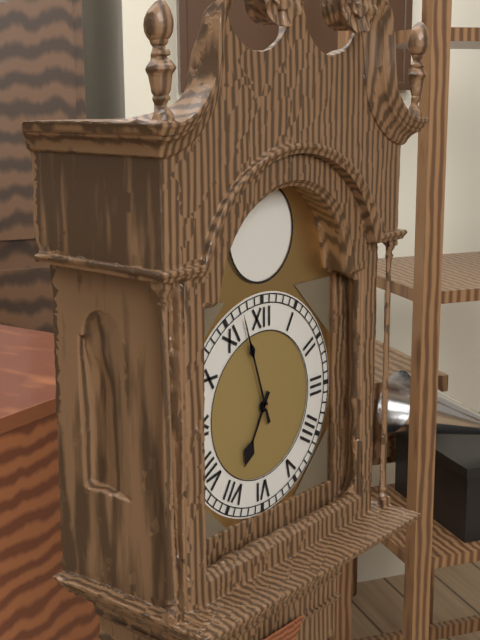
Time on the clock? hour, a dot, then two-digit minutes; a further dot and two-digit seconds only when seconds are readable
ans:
6.57
